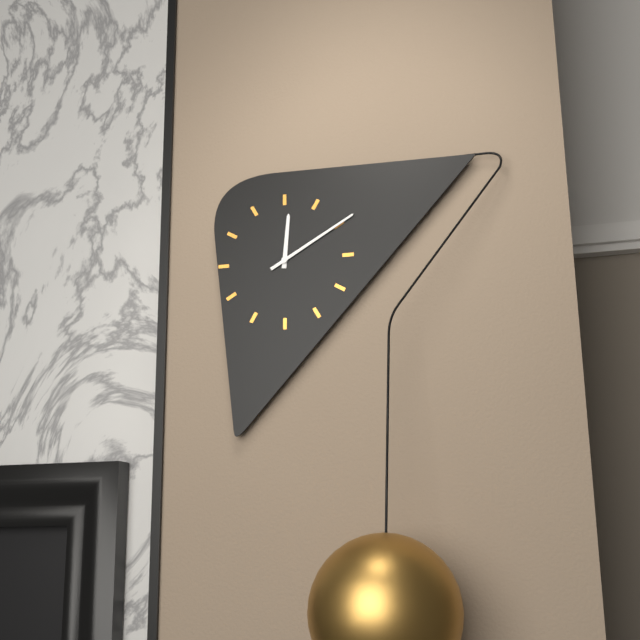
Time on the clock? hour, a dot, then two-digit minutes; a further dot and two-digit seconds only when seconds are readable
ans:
12.10
